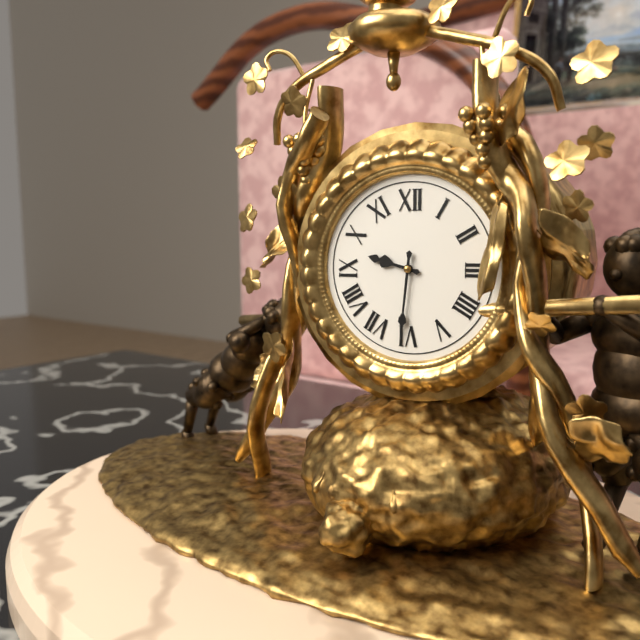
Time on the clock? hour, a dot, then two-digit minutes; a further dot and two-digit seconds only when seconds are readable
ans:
9.31
